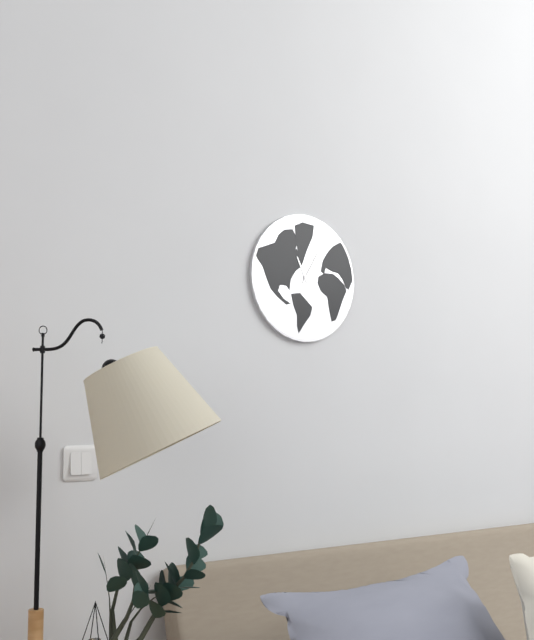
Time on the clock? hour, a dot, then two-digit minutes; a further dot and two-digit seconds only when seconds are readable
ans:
11.05
